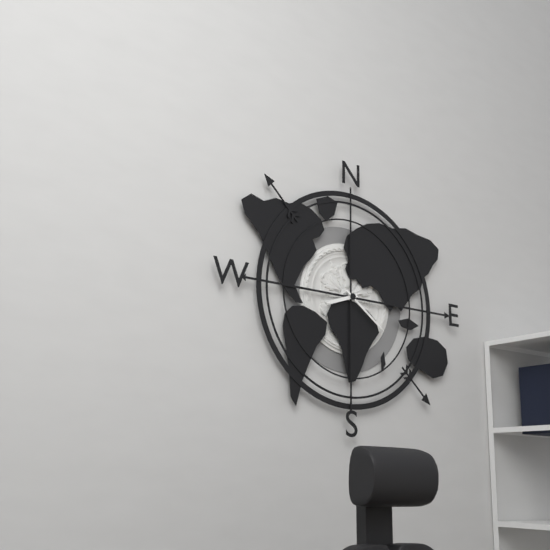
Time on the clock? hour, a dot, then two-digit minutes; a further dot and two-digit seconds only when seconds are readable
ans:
8.21
